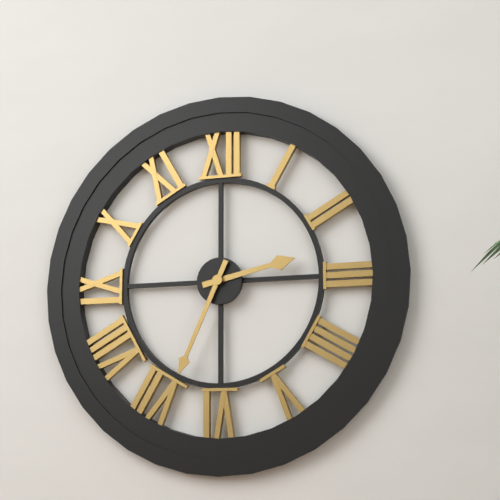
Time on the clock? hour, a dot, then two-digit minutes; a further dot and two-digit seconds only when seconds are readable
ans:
2.34
